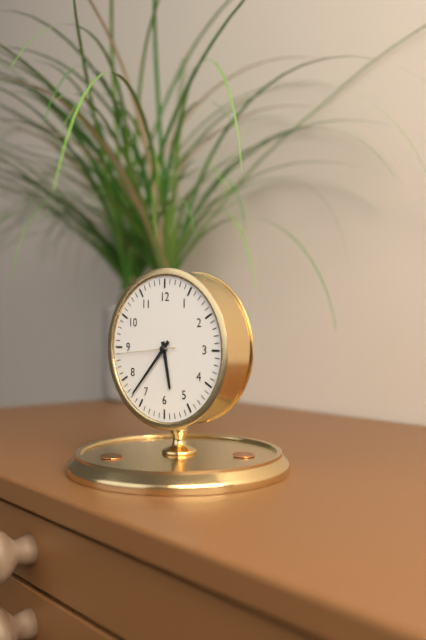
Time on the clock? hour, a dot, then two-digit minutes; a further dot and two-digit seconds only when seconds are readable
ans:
5.37.44
